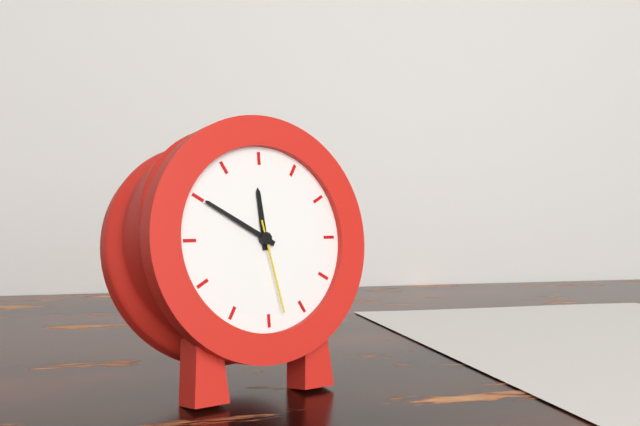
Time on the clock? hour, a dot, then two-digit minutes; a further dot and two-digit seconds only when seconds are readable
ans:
11.50.28
